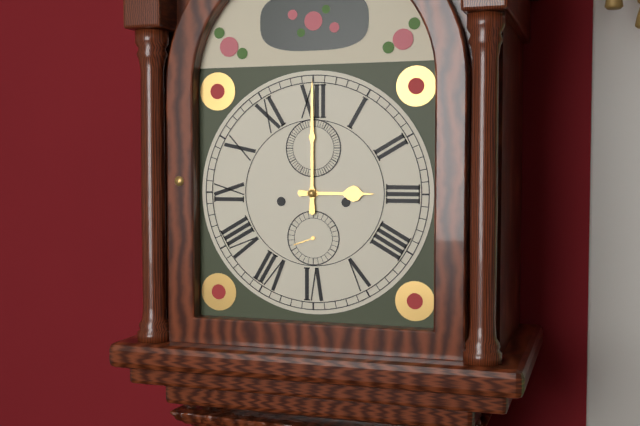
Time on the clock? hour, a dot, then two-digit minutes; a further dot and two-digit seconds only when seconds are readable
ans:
3.00
